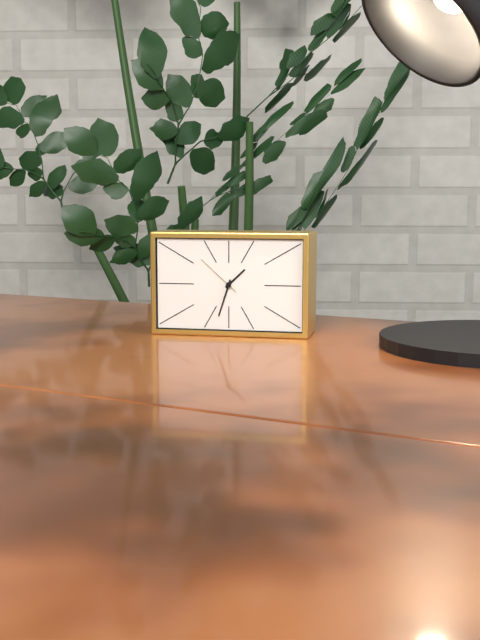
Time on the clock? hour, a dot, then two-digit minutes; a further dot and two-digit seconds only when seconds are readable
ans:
1.33
